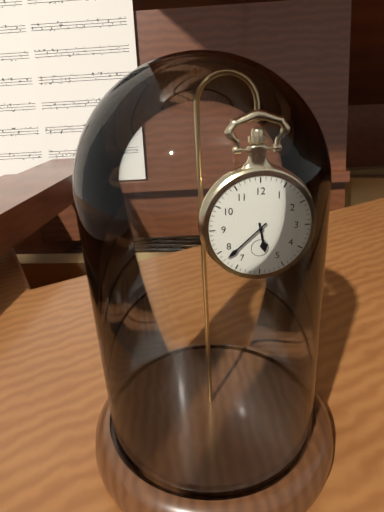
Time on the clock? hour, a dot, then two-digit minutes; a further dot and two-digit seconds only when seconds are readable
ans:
5.38
